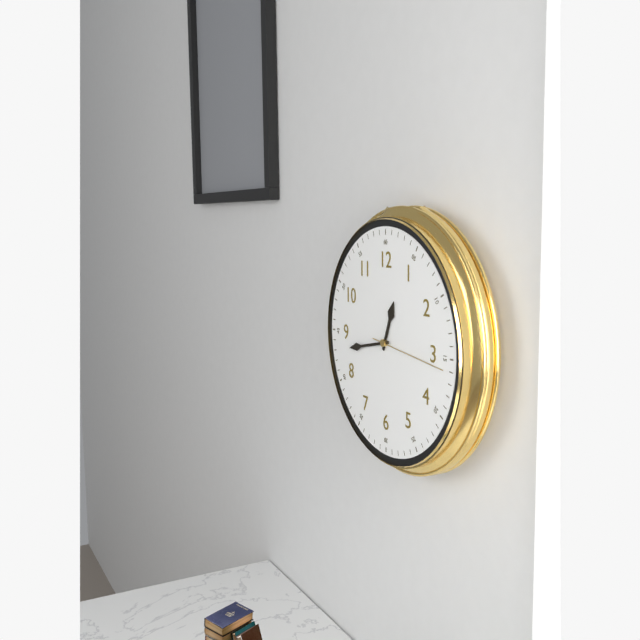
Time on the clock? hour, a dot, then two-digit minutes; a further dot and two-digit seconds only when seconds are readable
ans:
12.43.16
